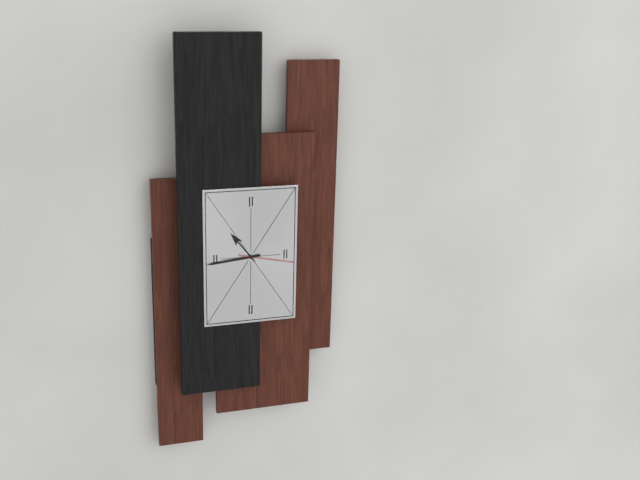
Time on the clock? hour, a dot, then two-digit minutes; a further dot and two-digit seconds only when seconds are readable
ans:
10.44.17
